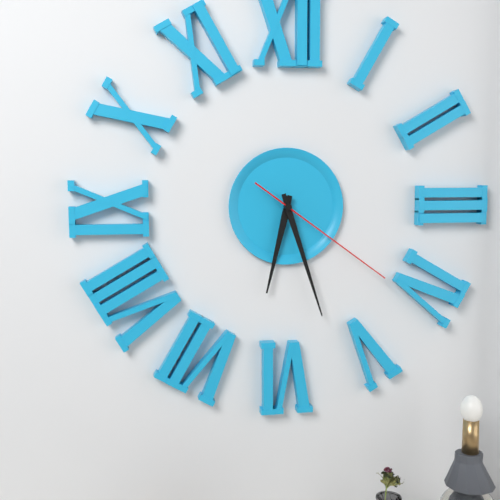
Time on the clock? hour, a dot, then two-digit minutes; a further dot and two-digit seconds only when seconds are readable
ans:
6.27.21
